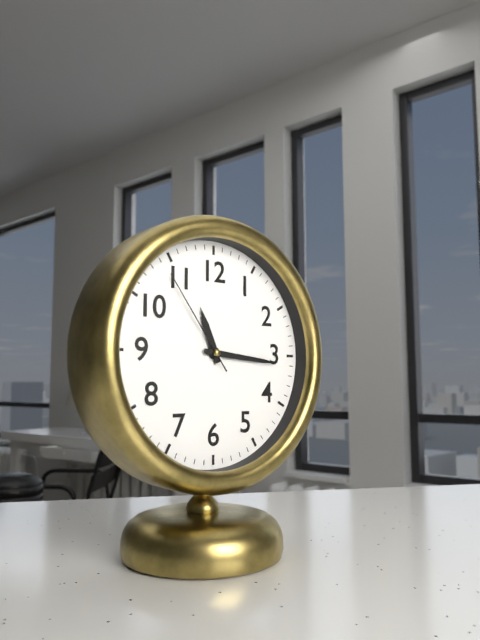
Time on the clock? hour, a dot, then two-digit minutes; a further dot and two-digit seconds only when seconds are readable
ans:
11.16.54
